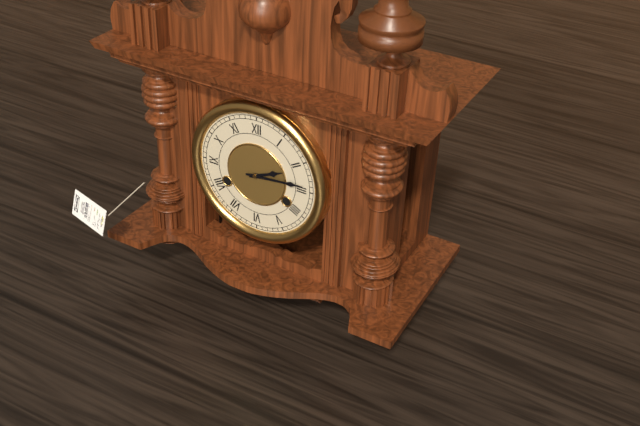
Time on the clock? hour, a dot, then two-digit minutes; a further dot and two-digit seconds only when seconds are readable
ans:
2.14
